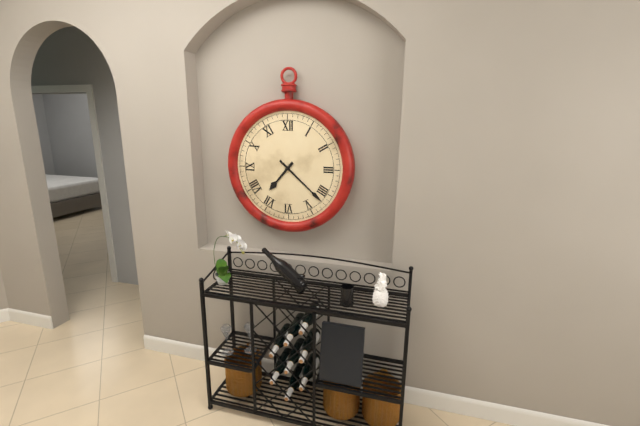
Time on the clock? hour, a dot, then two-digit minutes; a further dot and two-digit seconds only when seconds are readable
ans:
7.22
